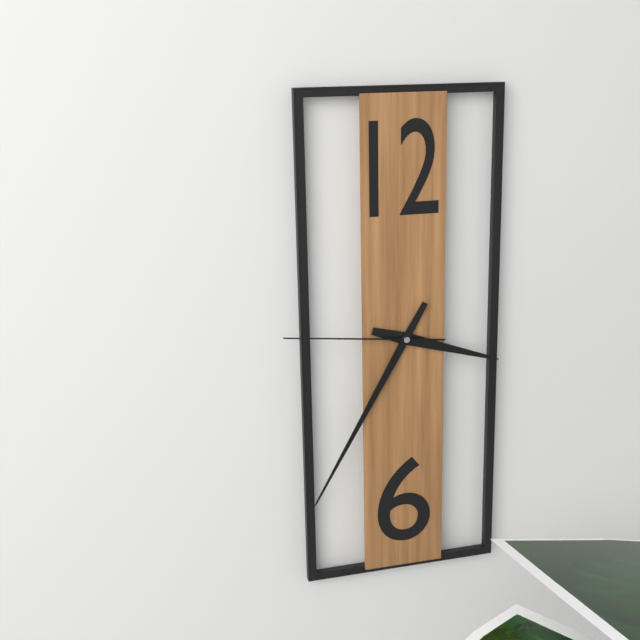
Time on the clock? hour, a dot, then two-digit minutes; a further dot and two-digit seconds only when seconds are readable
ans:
3.35.46
